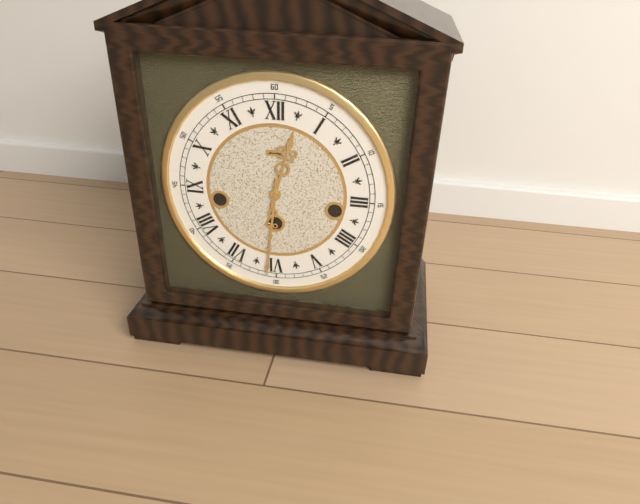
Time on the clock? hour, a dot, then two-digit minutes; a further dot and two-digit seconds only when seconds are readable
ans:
12.31
